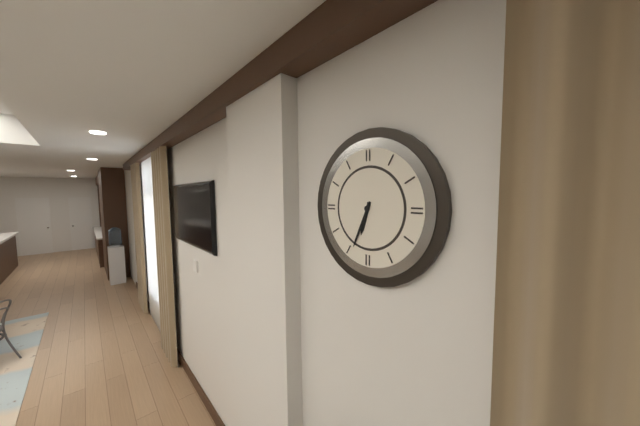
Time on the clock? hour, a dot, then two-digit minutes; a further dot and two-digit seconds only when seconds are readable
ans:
6.34
